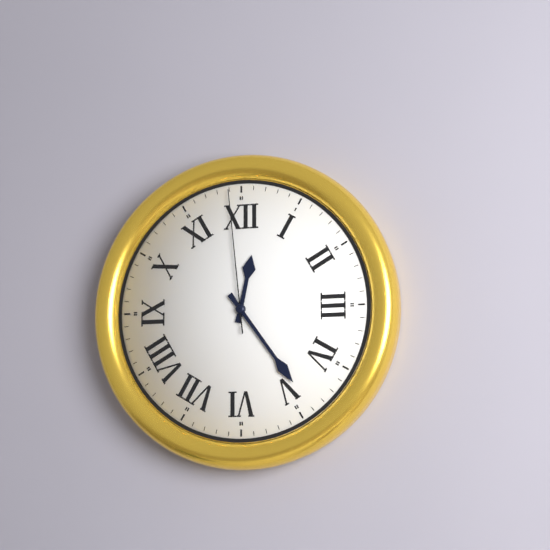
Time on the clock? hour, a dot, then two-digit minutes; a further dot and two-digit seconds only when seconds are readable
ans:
12.24.59
